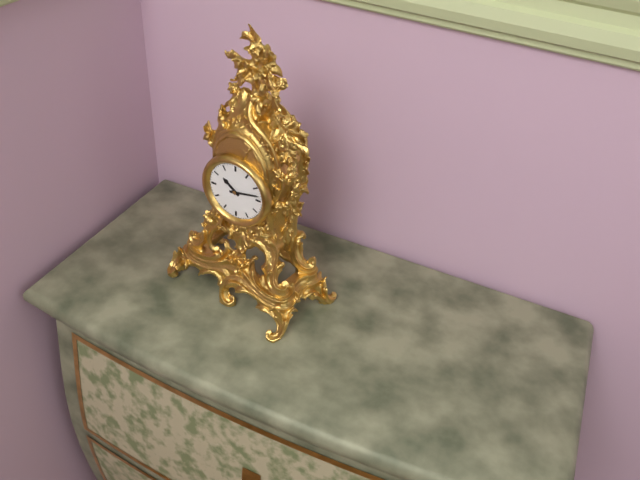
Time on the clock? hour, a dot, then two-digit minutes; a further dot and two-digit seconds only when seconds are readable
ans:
10.13
